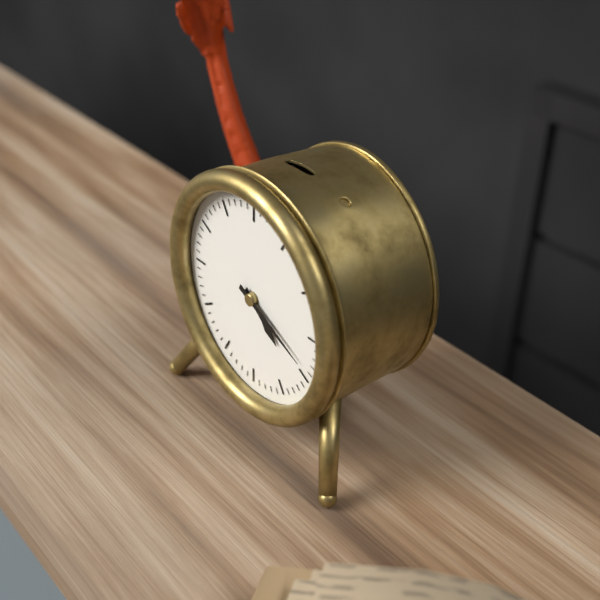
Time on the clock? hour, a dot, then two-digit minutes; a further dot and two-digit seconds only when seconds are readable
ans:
4.19
